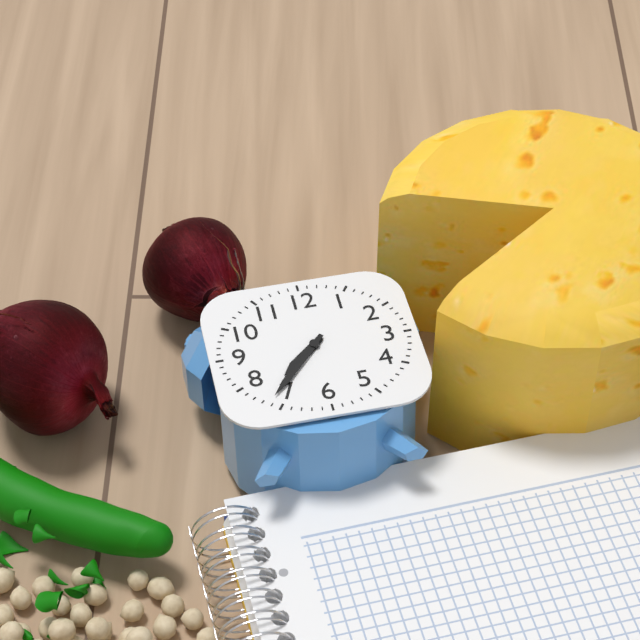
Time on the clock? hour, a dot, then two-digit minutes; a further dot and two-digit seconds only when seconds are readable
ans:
7.37
